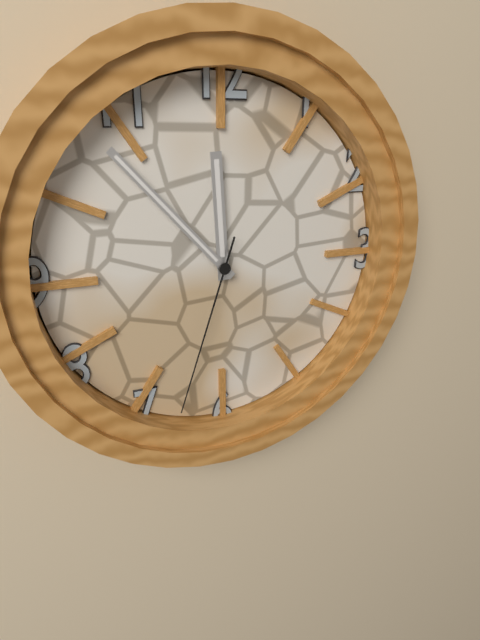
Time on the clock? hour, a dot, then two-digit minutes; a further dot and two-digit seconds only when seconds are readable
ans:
11.53.33
